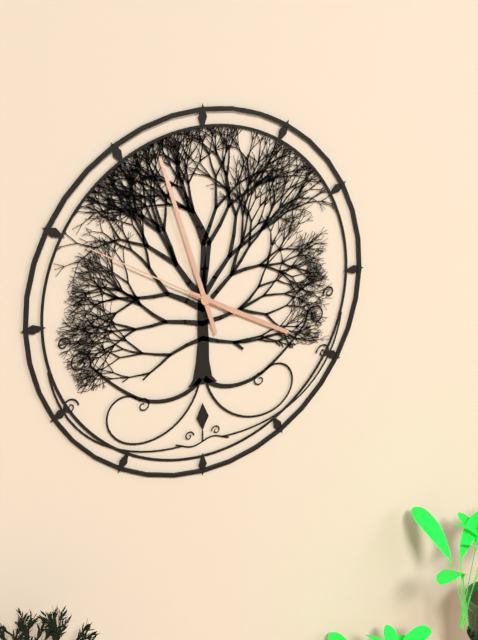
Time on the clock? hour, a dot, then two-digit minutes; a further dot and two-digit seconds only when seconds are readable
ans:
3.57.50
